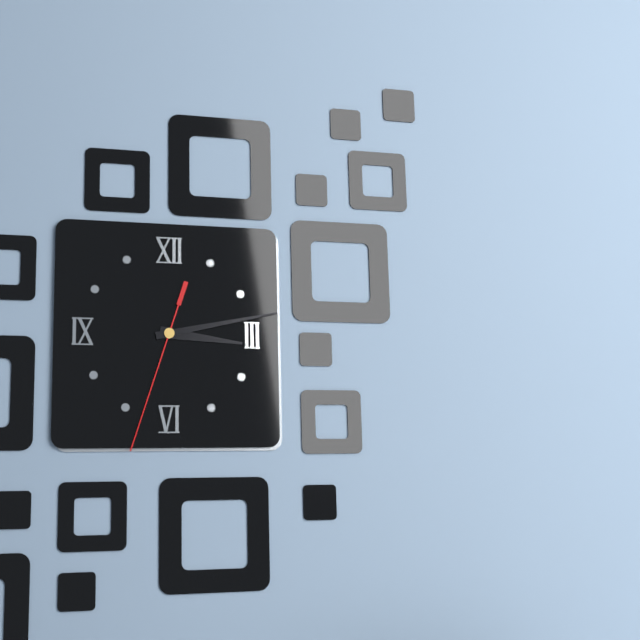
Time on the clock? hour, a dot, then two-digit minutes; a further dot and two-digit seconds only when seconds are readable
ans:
3.13.33
